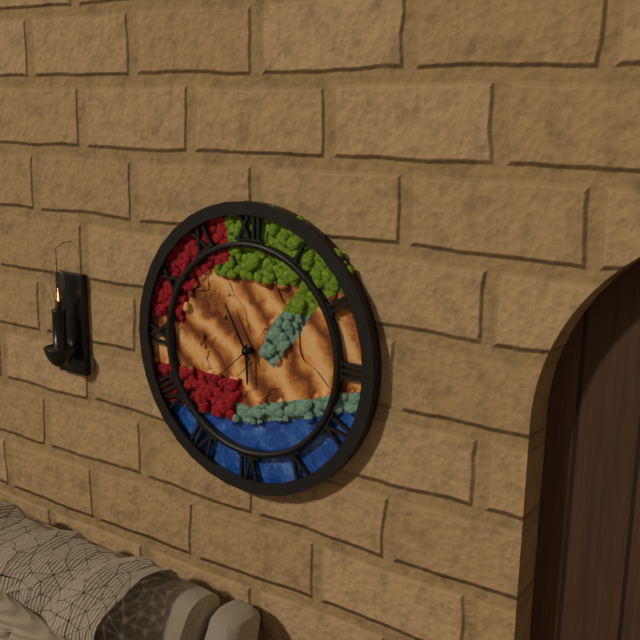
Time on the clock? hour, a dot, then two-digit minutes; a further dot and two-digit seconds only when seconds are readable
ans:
5.55.38
